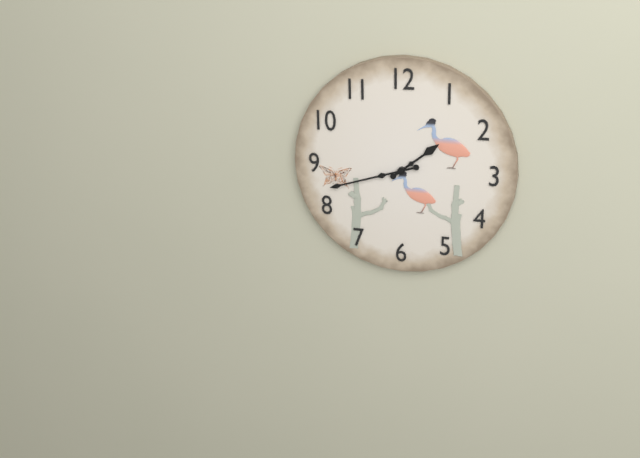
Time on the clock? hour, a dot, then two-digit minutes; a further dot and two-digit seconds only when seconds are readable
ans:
1.42
